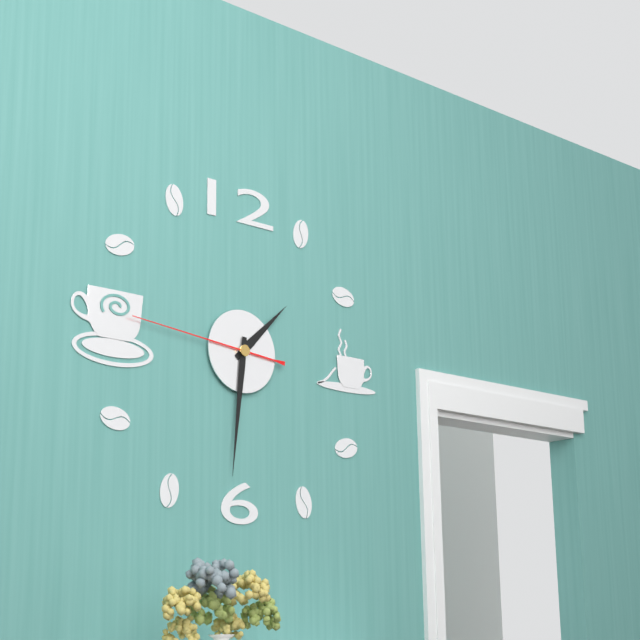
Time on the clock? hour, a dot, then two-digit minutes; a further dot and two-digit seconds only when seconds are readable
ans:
1.31.46
